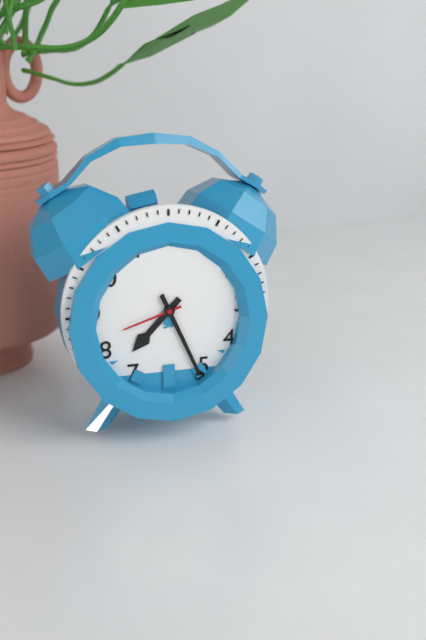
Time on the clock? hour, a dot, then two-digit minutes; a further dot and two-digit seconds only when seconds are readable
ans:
7.26.42
